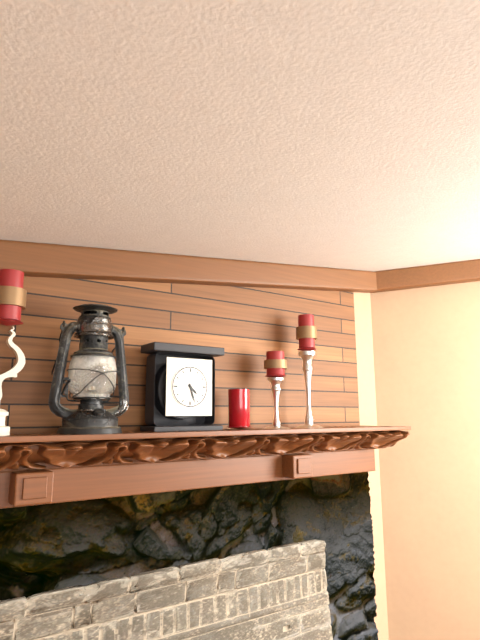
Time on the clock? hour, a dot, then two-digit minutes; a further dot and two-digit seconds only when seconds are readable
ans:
4.27
